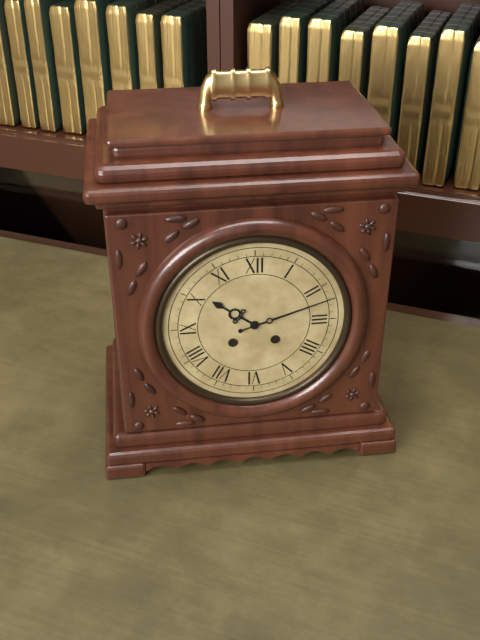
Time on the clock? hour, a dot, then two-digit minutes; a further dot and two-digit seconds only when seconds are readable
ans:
10.12
